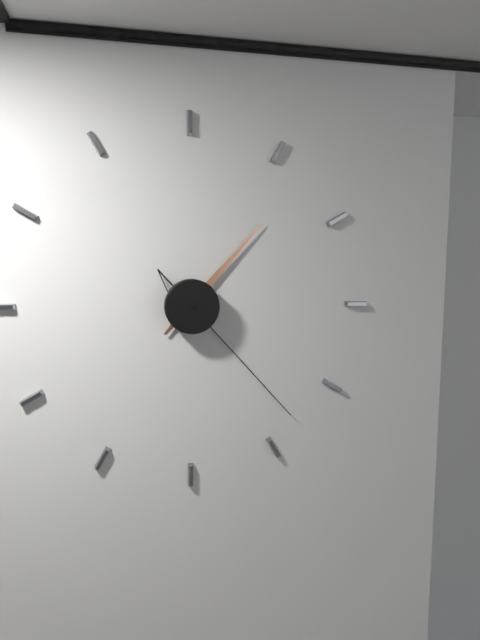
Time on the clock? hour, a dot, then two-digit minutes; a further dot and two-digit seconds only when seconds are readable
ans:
1.23
